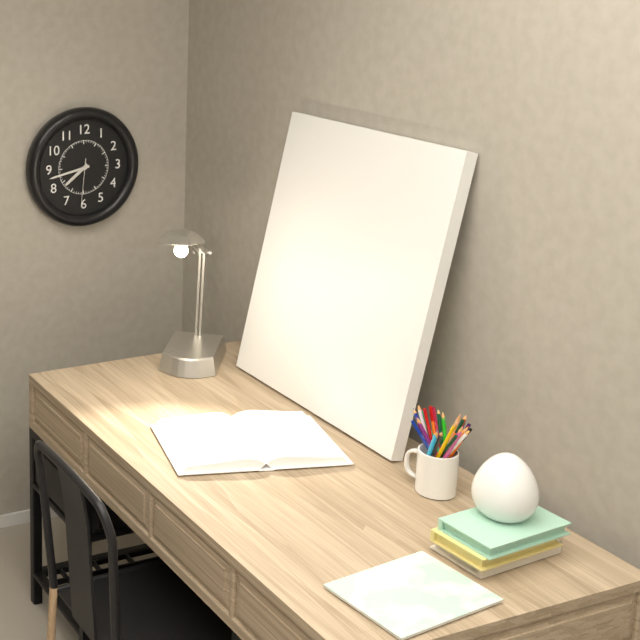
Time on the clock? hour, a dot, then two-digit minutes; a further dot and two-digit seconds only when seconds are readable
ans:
7.43
